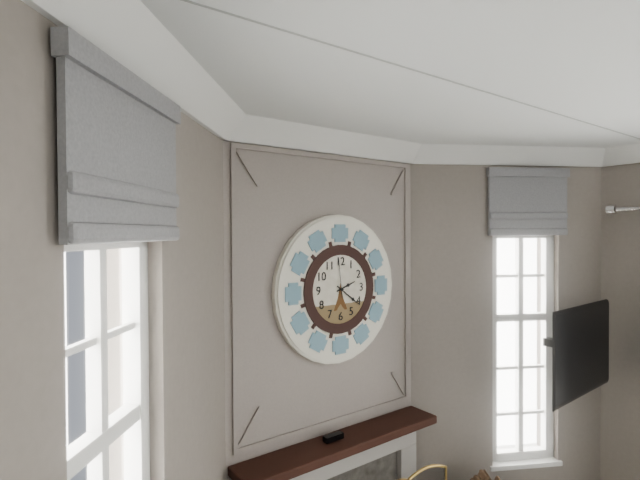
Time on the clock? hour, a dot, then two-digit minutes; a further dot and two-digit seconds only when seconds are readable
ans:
2.21
